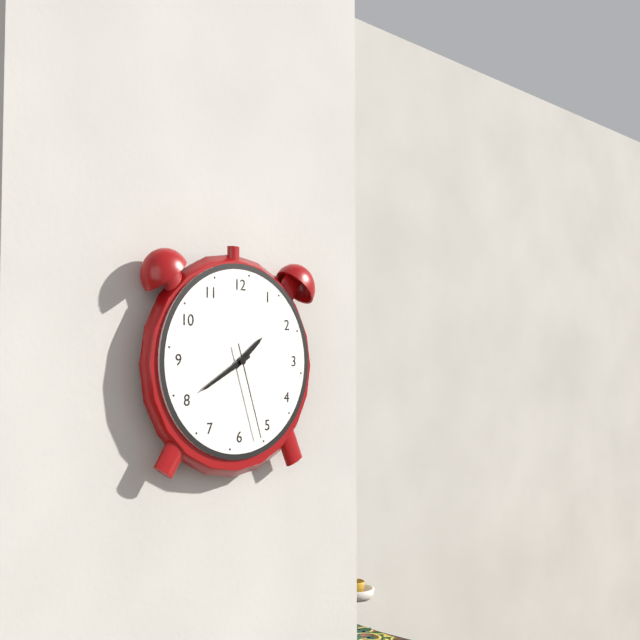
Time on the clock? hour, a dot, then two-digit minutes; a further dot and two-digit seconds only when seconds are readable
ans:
1.40.27
